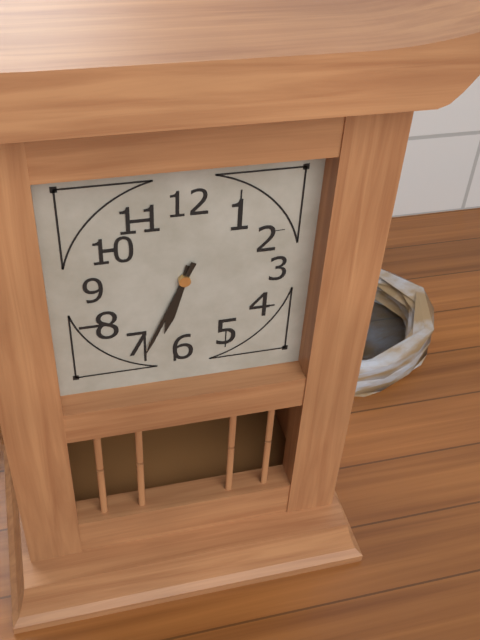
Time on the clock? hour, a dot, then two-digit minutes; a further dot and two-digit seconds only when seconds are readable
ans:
6.34
